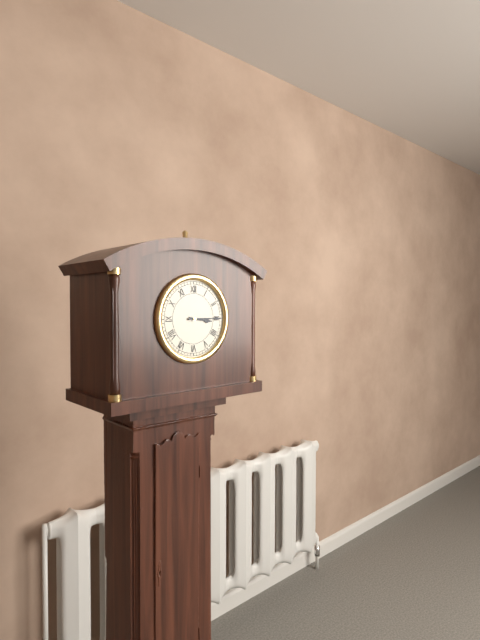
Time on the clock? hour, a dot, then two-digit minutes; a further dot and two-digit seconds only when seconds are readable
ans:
3.15
